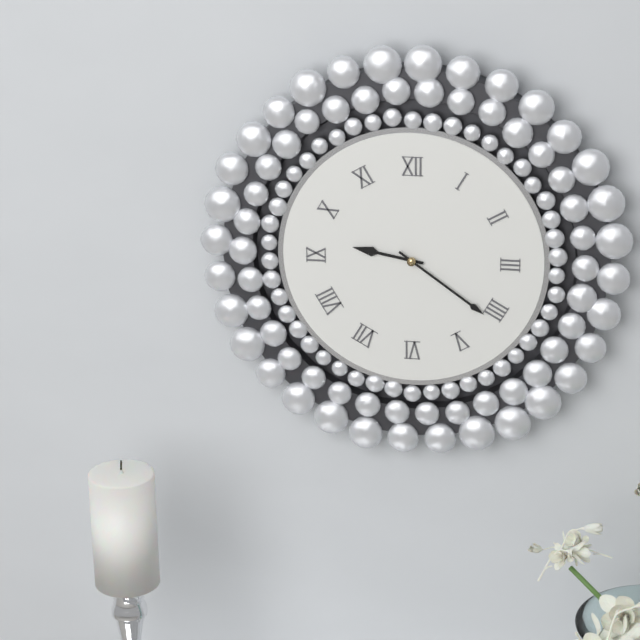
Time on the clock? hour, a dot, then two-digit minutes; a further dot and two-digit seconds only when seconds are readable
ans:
9.21
